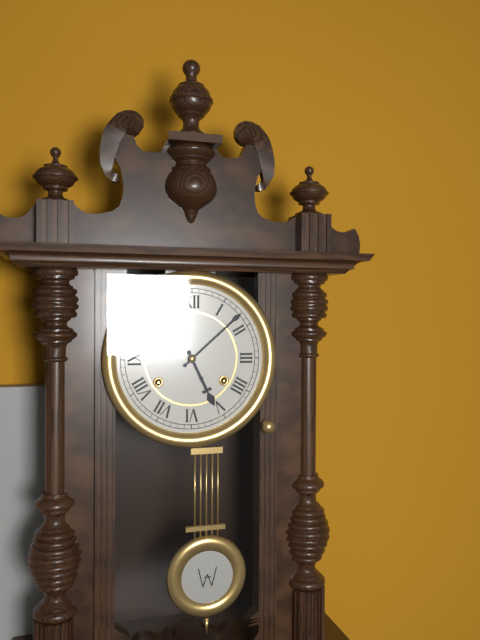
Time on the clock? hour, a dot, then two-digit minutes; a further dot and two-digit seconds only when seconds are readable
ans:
5.08
